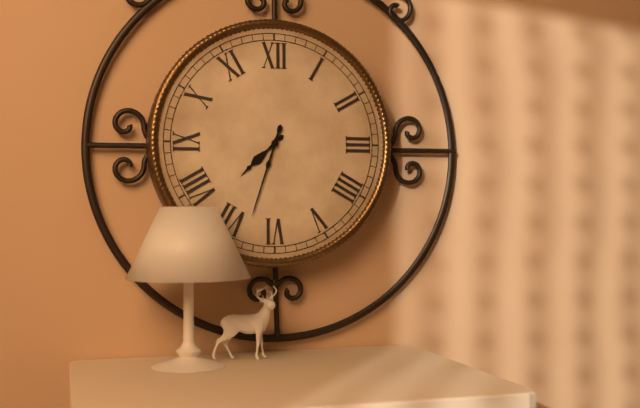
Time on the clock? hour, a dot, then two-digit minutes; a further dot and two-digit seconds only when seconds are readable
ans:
7.33
